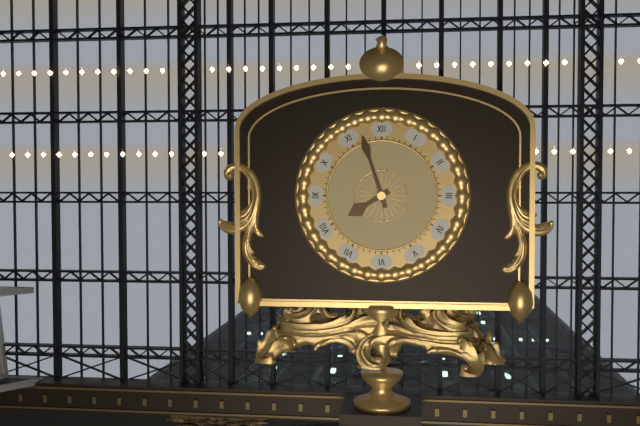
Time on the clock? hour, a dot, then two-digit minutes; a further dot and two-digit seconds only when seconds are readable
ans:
7.57
